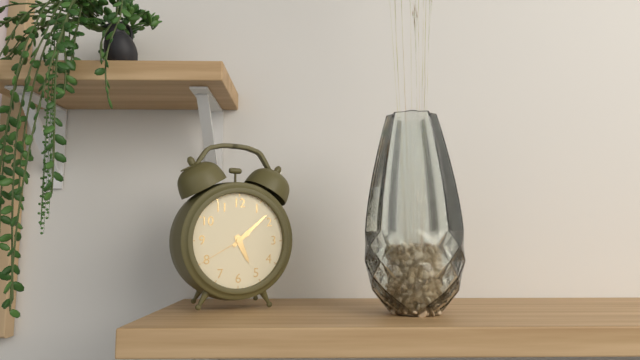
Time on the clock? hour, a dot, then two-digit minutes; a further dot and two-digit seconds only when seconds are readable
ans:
5.08.40
